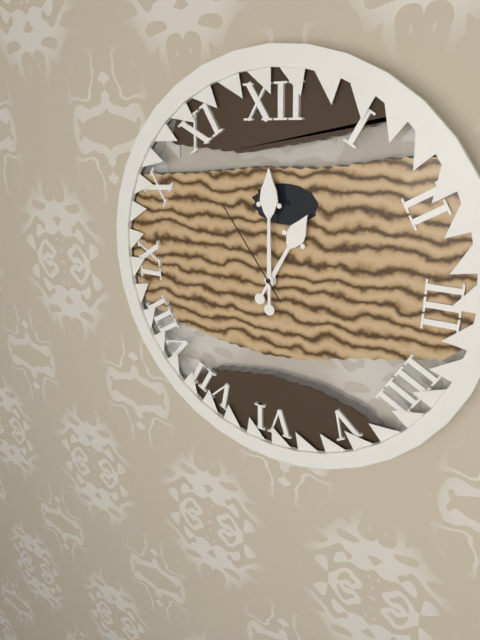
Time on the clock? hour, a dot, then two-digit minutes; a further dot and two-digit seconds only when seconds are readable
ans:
1.00.54
